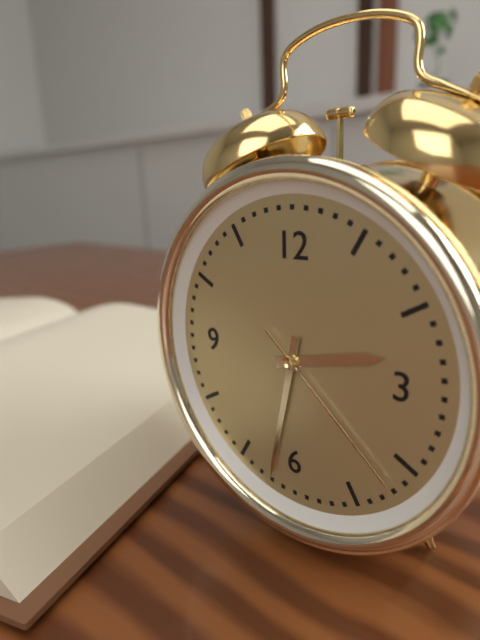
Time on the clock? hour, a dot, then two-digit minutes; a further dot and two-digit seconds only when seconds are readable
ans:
2.32.22
